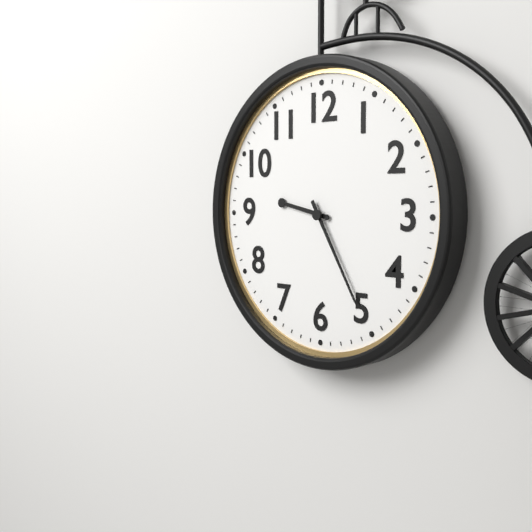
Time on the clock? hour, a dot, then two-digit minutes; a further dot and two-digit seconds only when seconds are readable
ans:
9.25
